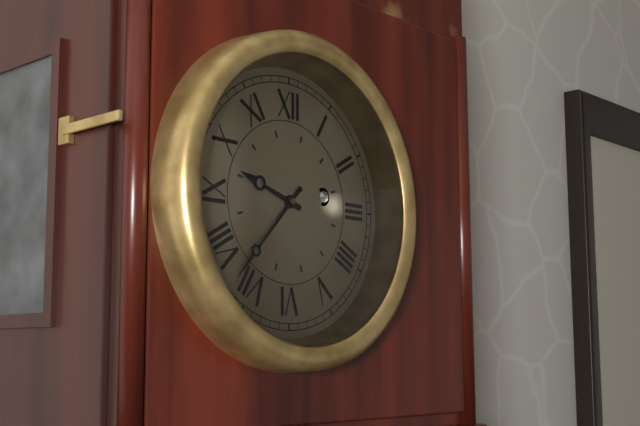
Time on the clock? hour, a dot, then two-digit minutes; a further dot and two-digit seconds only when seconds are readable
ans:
9.37
